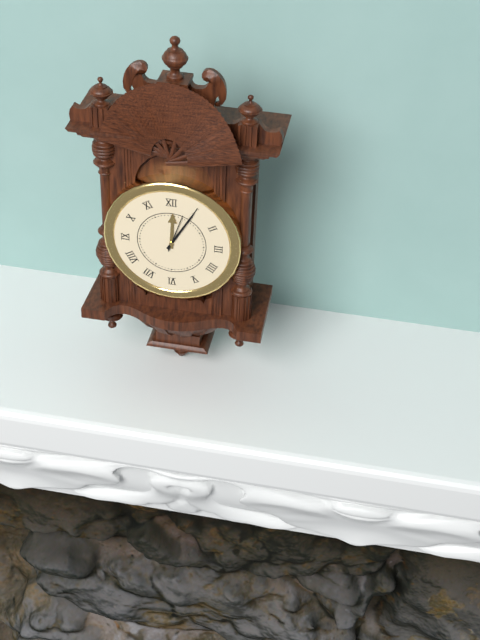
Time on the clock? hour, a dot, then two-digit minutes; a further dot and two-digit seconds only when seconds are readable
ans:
12.05
